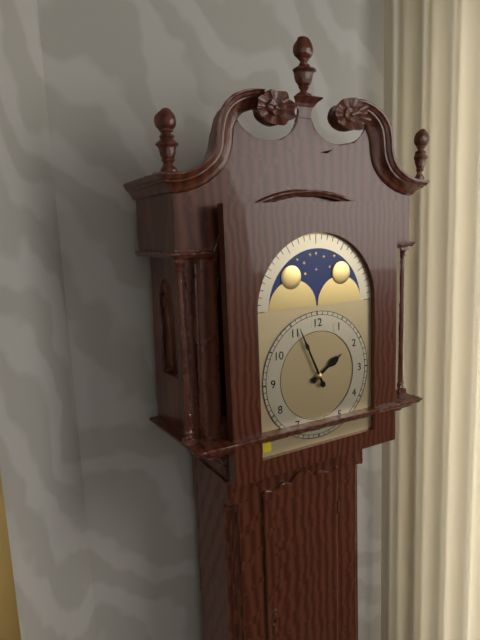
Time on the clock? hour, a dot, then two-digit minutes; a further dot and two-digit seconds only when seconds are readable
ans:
1.56
